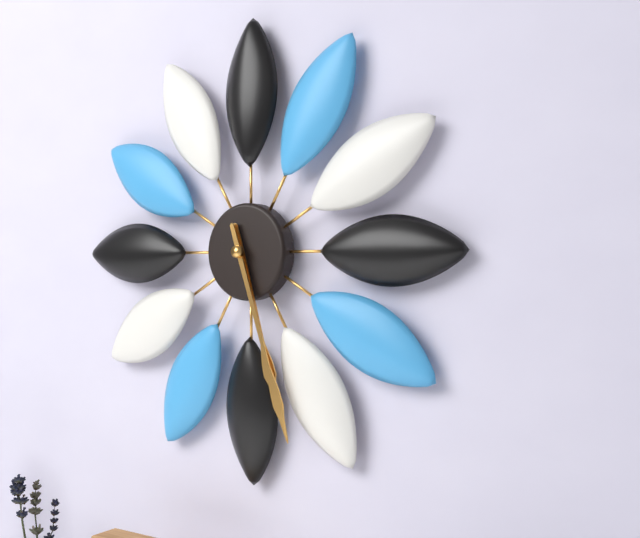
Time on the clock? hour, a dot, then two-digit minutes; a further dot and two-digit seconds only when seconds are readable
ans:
5.27
